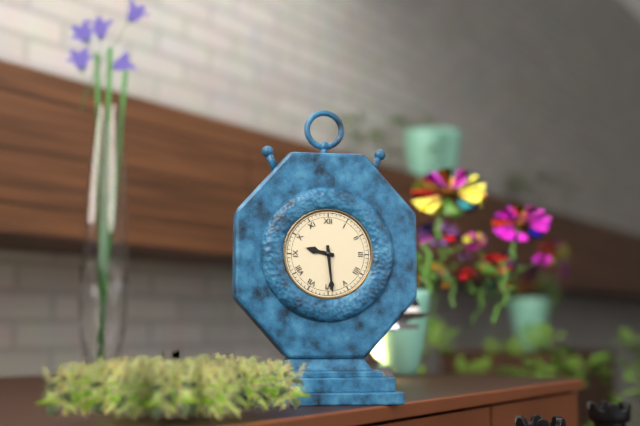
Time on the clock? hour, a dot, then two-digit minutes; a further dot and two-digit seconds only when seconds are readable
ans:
9.29
